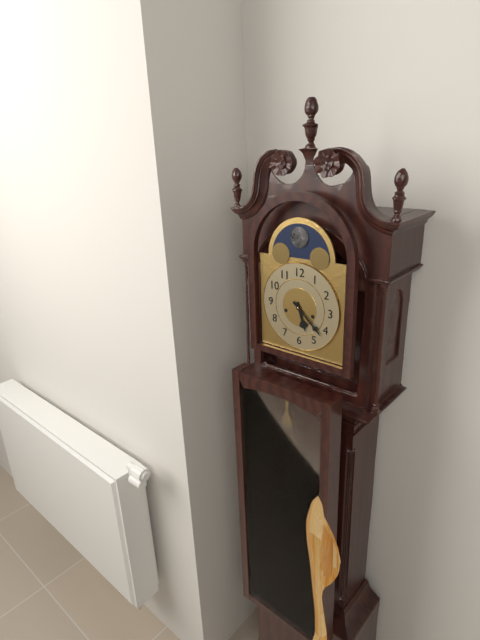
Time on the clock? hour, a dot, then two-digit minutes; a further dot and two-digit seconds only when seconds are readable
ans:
5.22
